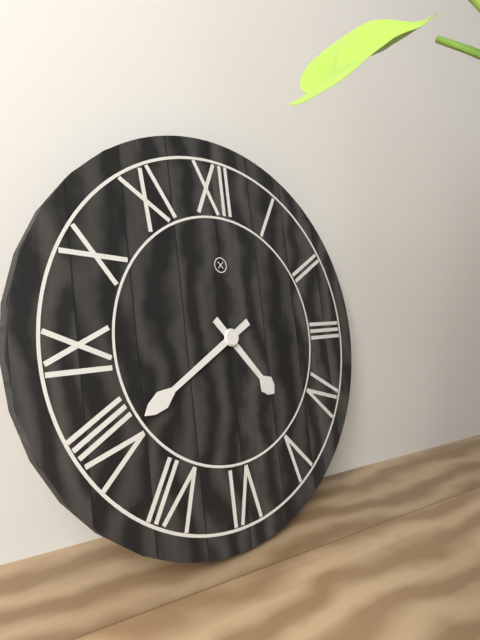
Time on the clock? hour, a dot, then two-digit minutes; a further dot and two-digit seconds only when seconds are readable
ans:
4.40
